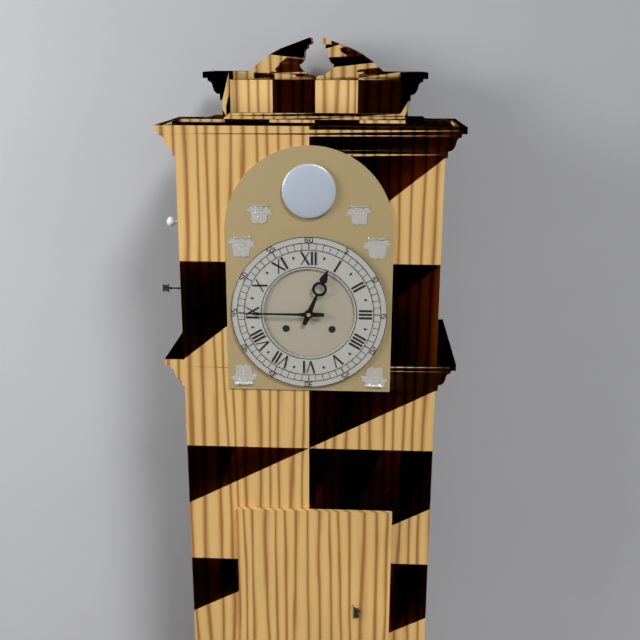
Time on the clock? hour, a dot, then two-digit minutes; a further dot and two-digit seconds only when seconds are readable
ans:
12.45
